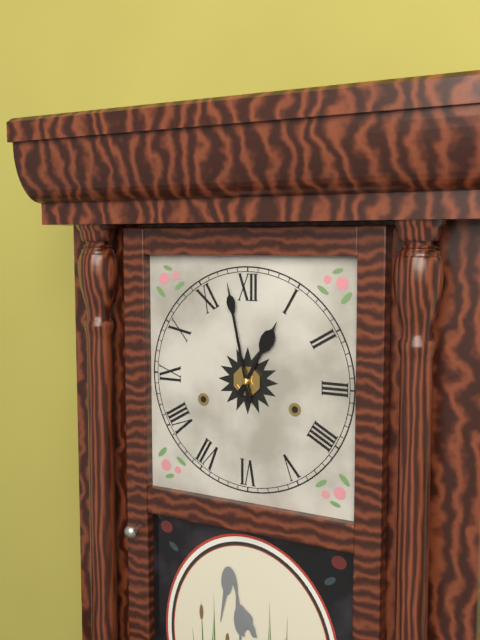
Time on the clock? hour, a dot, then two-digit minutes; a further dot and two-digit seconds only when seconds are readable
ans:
12.58
